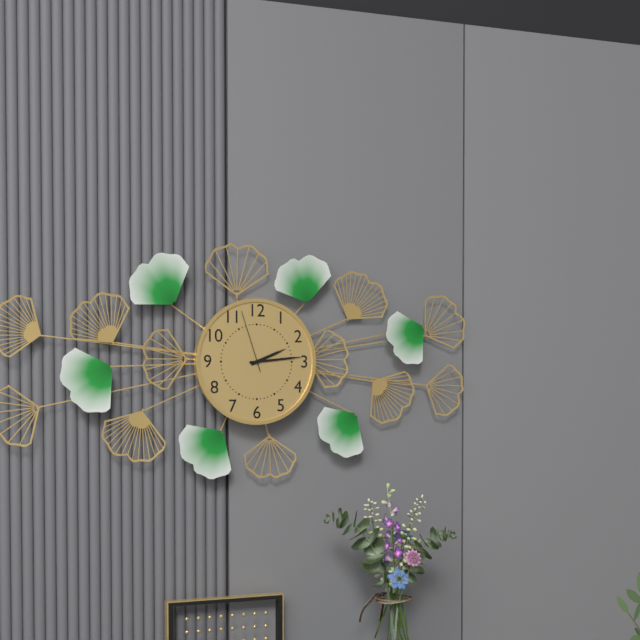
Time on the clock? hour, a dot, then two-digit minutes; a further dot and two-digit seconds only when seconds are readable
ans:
2.14.57
